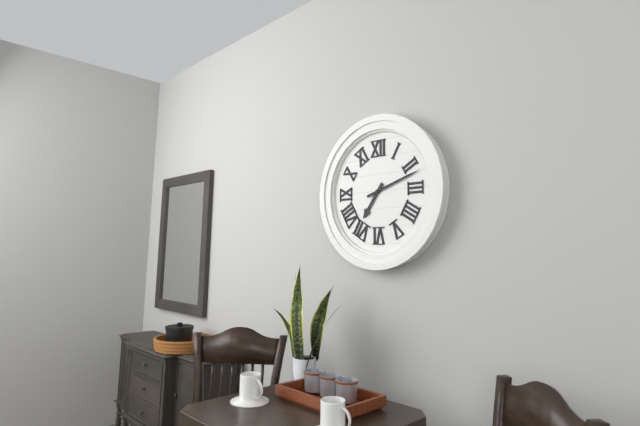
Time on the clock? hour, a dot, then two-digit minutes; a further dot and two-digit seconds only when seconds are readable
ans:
7.12
